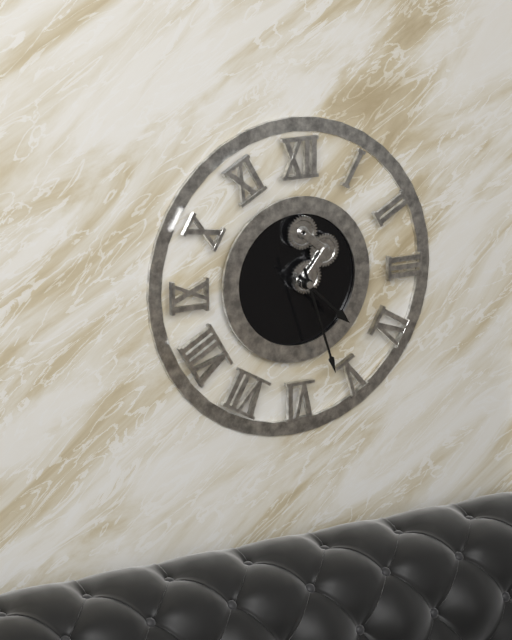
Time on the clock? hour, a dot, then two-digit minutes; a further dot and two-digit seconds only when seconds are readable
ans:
4.27
